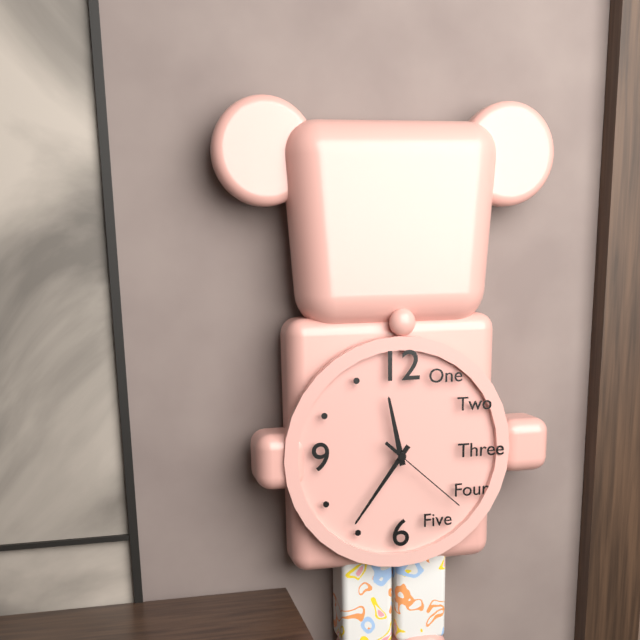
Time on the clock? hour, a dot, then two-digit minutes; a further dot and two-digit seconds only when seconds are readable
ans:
11.36.22
